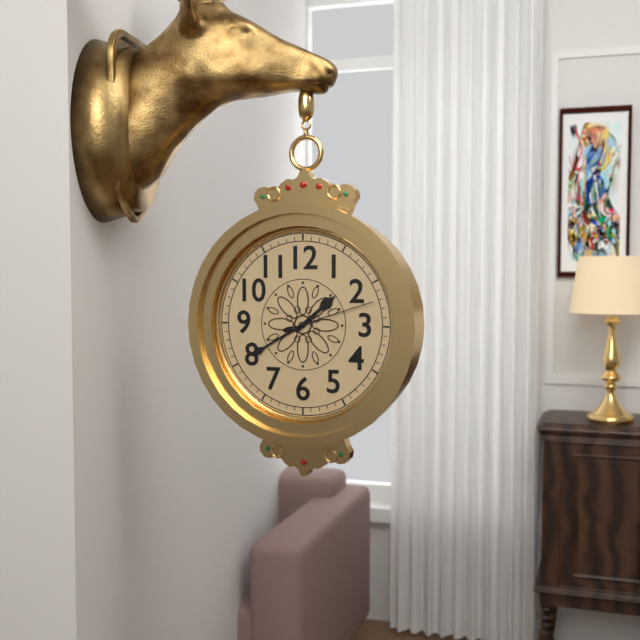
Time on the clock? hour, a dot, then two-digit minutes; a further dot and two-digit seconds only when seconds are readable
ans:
1.40.12
